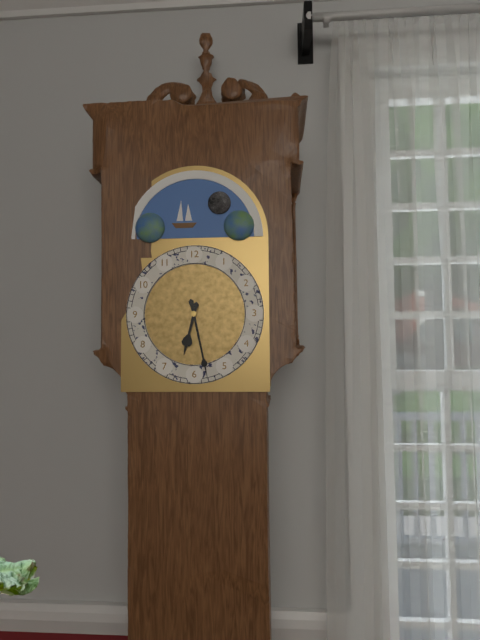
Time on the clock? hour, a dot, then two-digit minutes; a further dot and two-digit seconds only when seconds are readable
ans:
6.28
